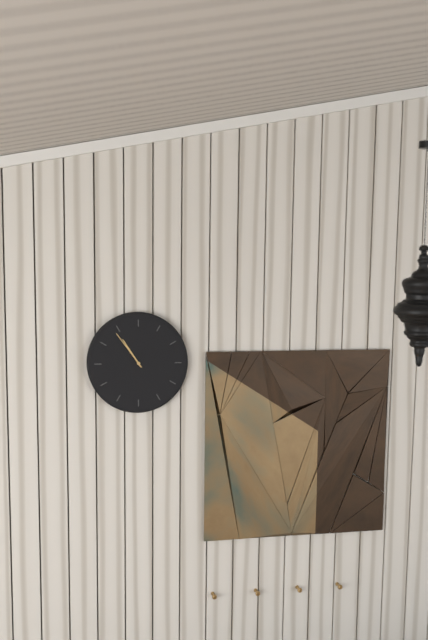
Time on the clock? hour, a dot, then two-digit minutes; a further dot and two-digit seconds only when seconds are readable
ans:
10.54
